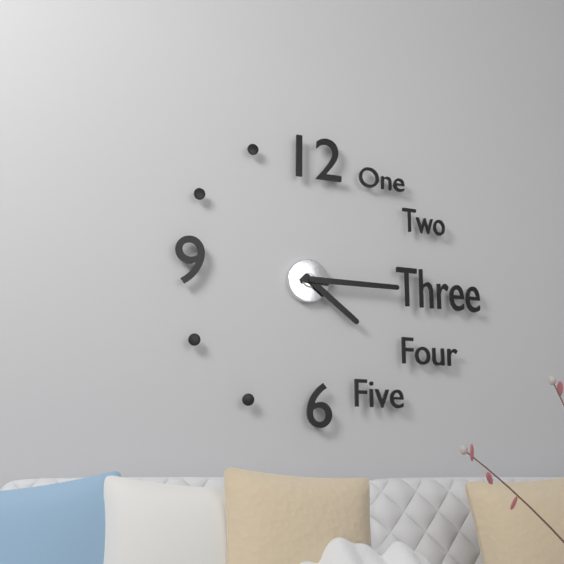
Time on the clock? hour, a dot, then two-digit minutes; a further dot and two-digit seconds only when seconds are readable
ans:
4.15
